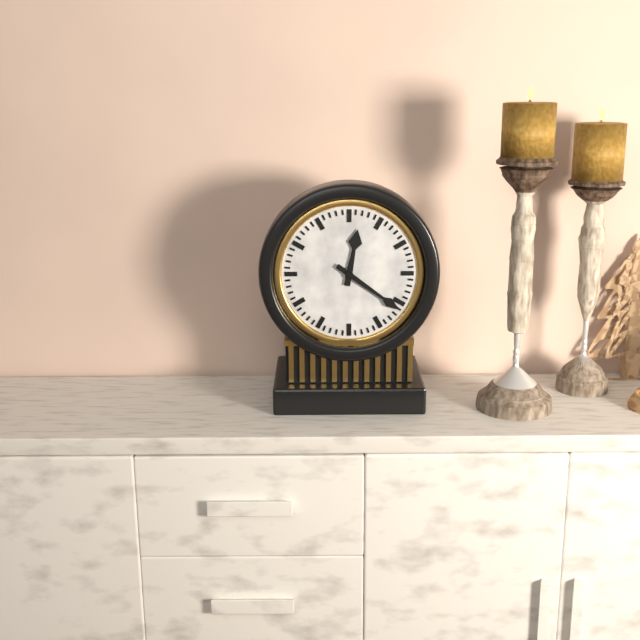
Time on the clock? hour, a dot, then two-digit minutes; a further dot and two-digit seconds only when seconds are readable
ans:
12.21
